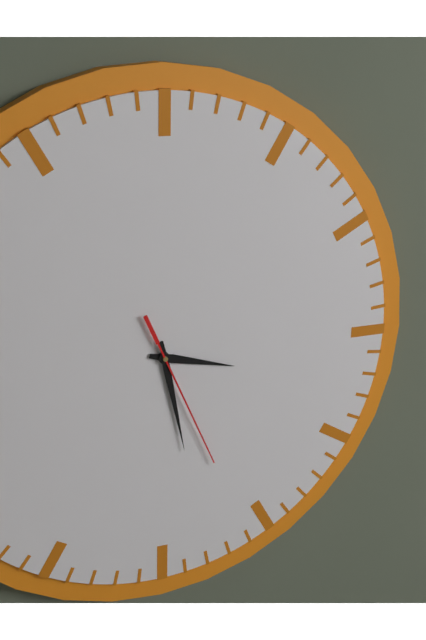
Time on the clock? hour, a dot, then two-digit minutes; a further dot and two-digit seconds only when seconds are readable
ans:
3.28.26
